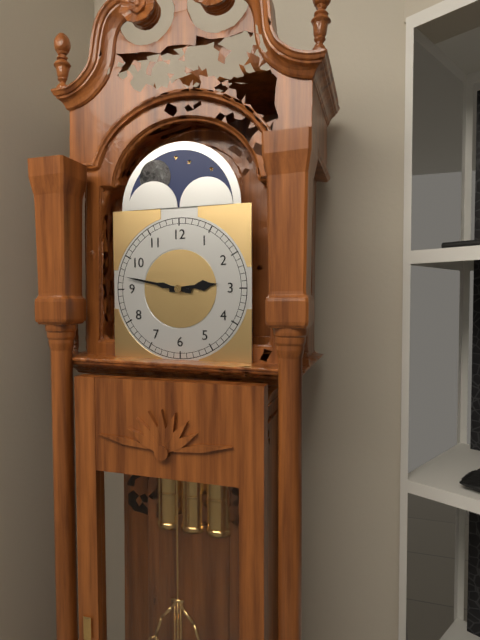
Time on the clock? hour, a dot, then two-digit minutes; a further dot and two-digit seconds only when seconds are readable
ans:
2.47
